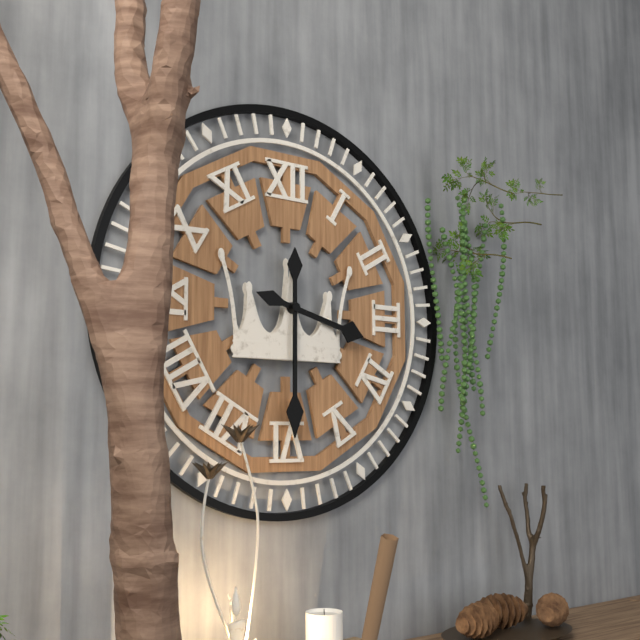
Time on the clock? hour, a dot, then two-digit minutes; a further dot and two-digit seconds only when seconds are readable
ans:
3.30
